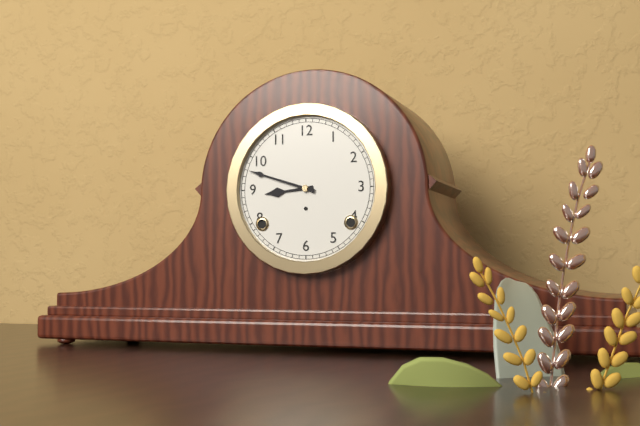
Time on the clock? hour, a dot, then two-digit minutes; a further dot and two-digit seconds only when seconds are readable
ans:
8.48
